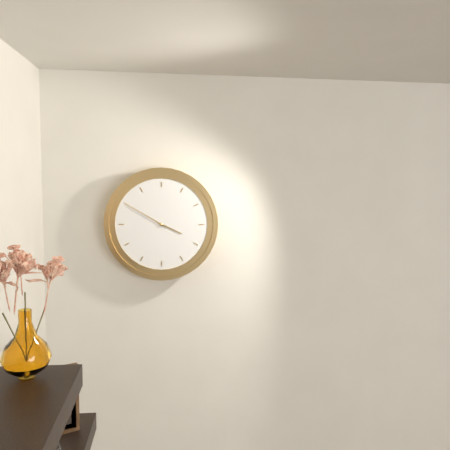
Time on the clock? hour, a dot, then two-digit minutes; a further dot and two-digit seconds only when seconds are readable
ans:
3.50
